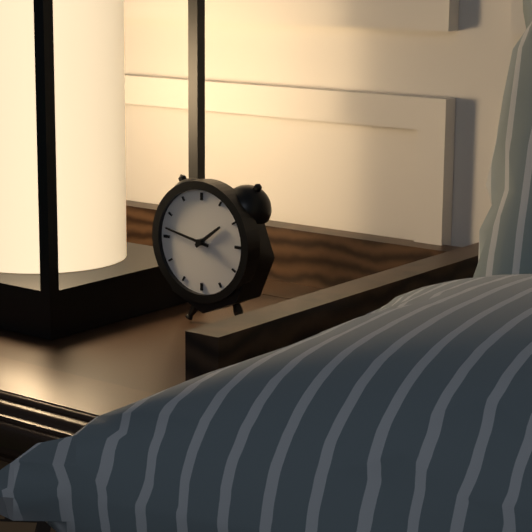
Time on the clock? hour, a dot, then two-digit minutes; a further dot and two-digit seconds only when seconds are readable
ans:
1.47
